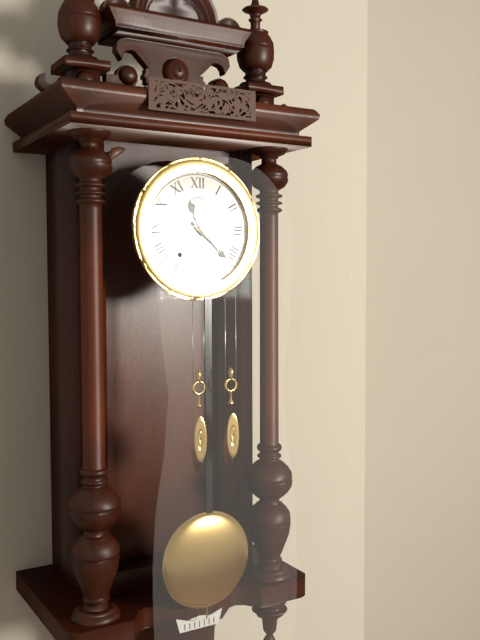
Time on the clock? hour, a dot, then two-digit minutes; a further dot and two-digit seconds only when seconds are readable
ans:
11.22
